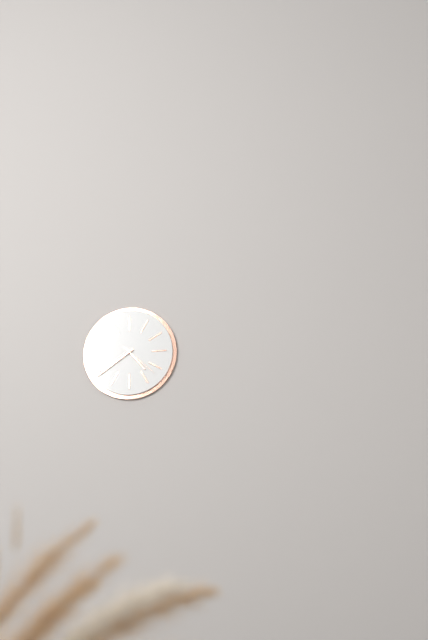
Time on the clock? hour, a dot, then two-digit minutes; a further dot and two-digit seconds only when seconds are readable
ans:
4.39
